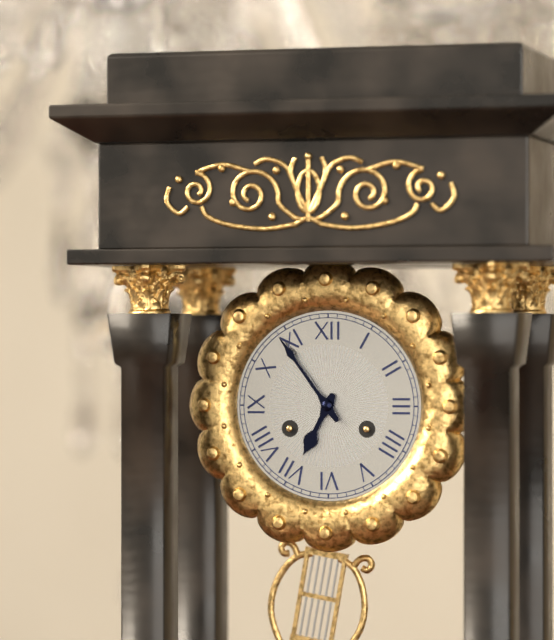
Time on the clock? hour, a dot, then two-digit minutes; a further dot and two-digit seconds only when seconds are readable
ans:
6.54
